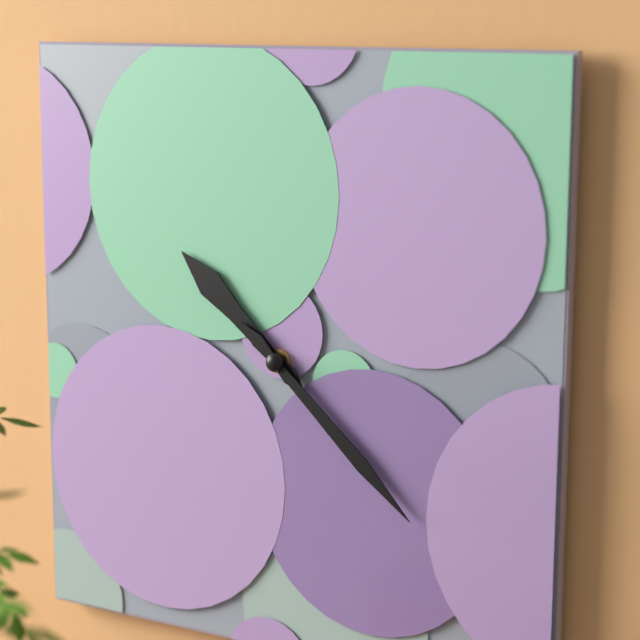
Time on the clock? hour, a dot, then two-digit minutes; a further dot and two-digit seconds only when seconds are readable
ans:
10.22
